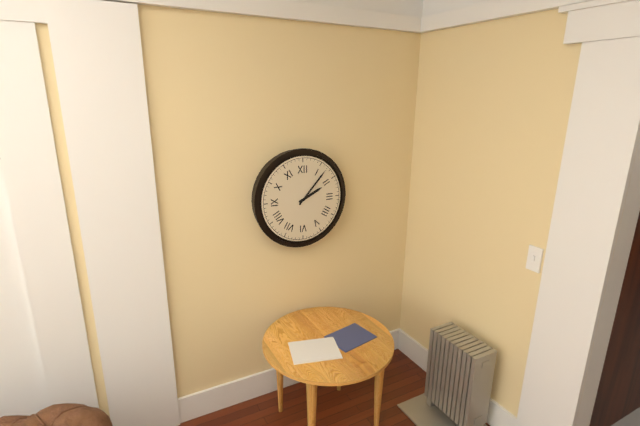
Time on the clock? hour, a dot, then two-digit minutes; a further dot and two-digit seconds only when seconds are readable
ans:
2.07
